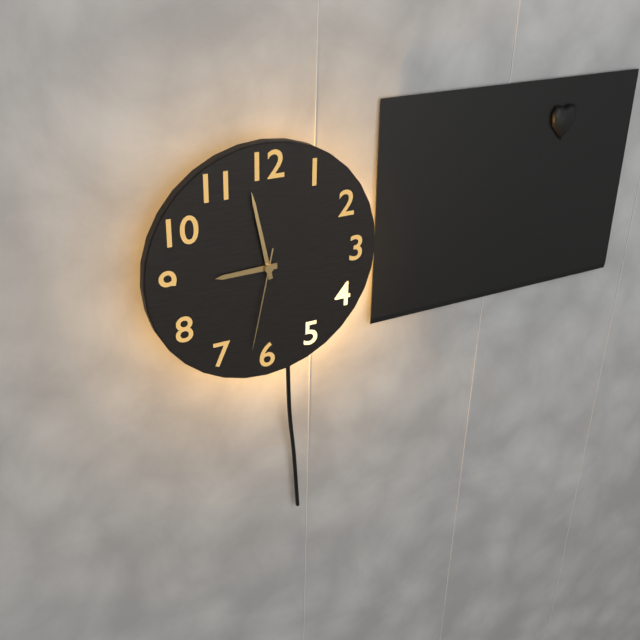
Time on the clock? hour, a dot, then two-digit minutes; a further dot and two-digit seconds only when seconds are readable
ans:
8.58.32
